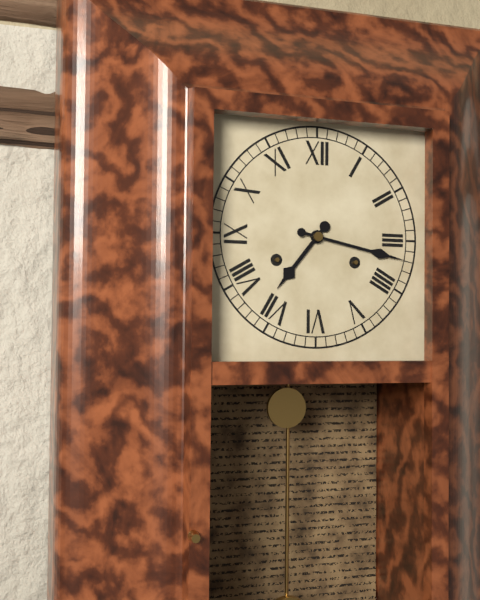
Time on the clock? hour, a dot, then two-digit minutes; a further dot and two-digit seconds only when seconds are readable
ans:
7.17
